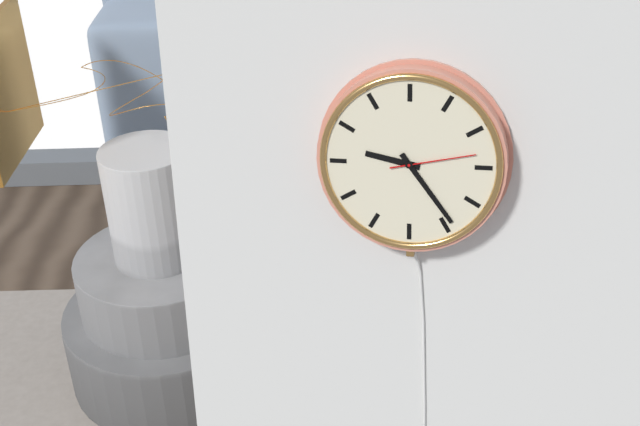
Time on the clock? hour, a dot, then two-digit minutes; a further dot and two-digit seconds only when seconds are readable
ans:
9.24.13
